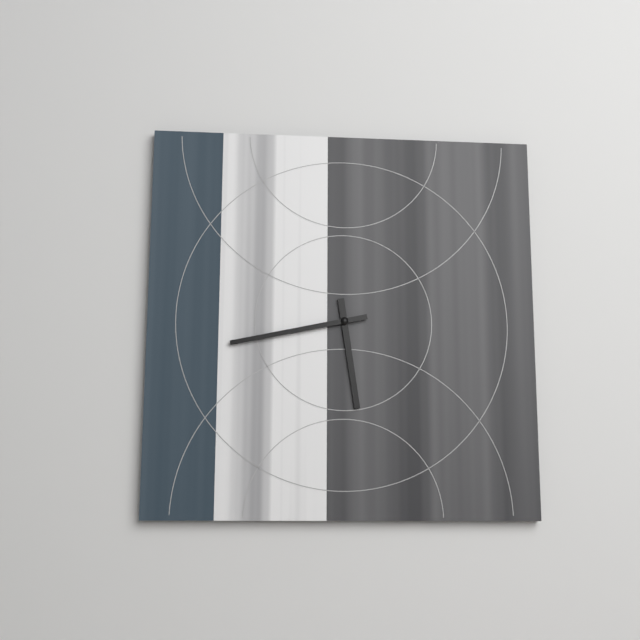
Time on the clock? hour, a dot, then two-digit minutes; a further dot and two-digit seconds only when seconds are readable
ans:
5.43
